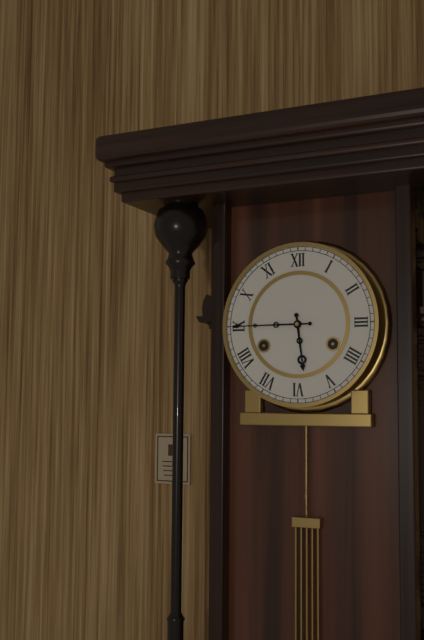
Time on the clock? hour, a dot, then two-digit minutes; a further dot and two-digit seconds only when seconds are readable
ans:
5.45
